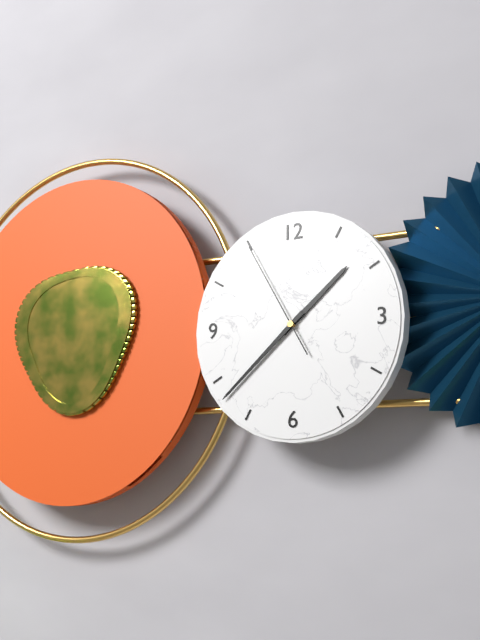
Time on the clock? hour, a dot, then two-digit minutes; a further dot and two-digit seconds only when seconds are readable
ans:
1.38.55
